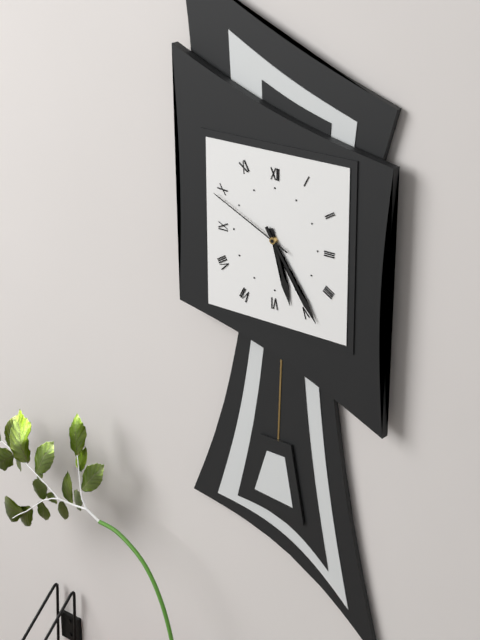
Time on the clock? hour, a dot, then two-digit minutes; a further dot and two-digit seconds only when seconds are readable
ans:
5.24.49
